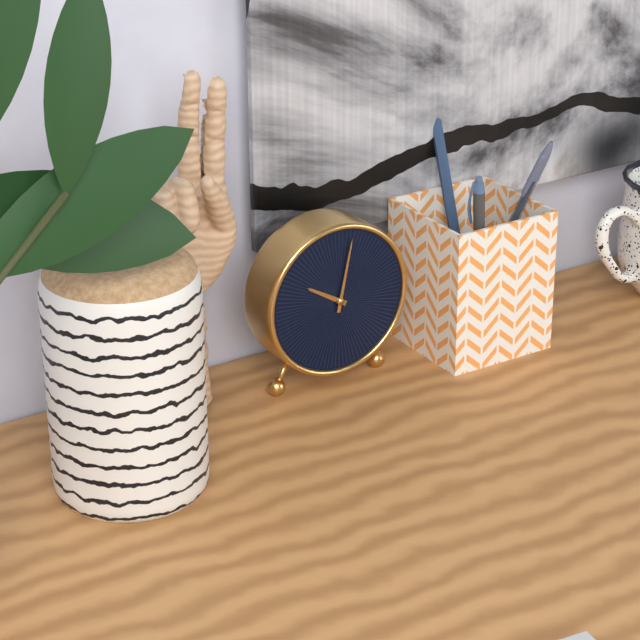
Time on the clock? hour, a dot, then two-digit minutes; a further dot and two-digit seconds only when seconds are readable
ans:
10.02
